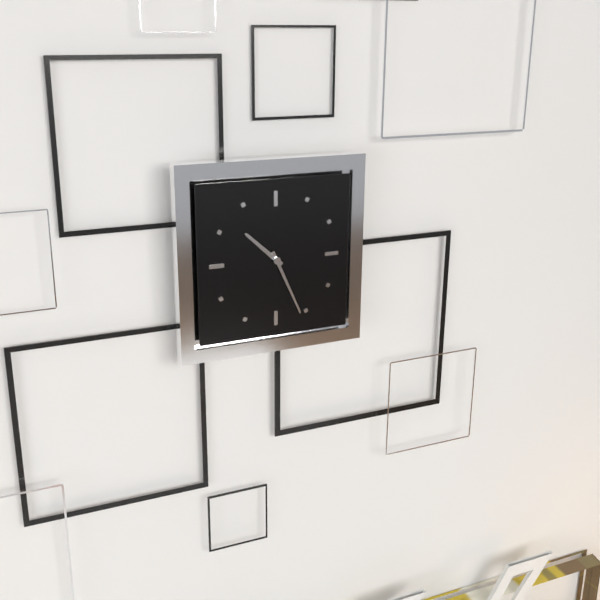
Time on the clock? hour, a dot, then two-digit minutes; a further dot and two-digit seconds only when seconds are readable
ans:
10.26
